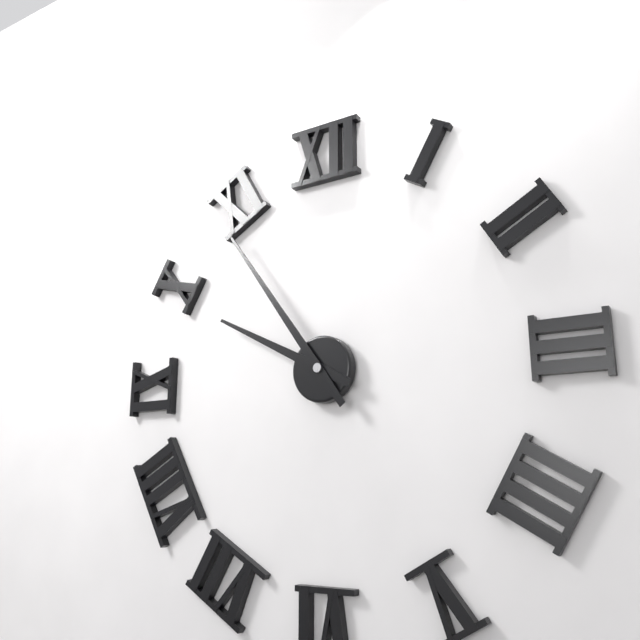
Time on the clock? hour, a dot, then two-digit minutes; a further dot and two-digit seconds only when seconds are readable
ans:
9.54
